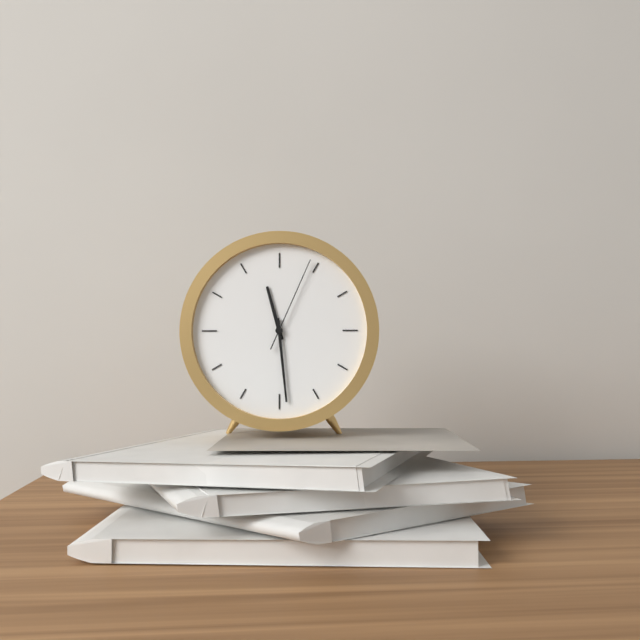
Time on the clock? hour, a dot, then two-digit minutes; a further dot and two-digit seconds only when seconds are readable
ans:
11.29.04
